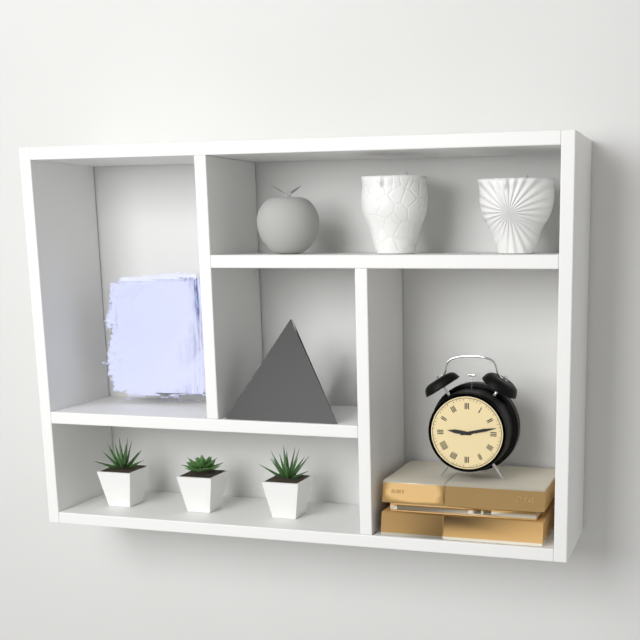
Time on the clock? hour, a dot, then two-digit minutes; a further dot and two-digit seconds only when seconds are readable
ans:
9.13
